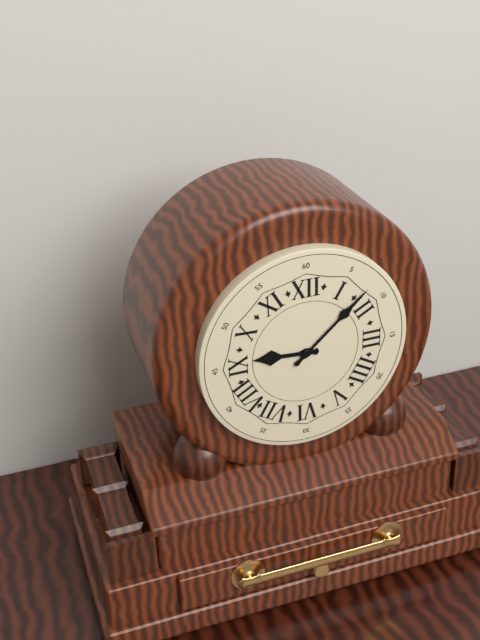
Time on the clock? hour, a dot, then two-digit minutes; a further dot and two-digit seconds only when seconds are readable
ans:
9.08
